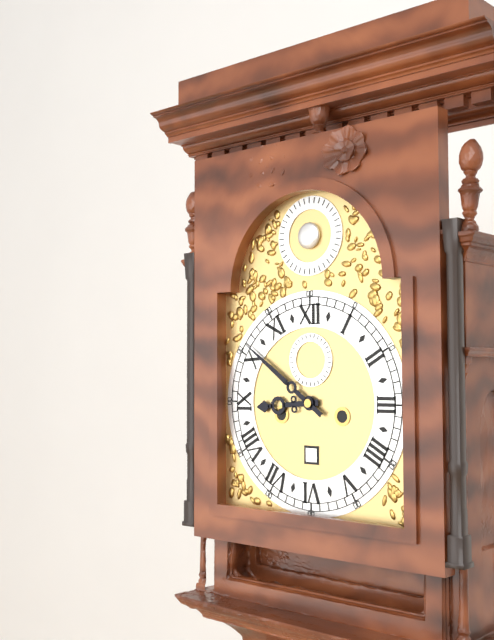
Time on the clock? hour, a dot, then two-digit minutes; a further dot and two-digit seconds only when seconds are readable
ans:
8.51
